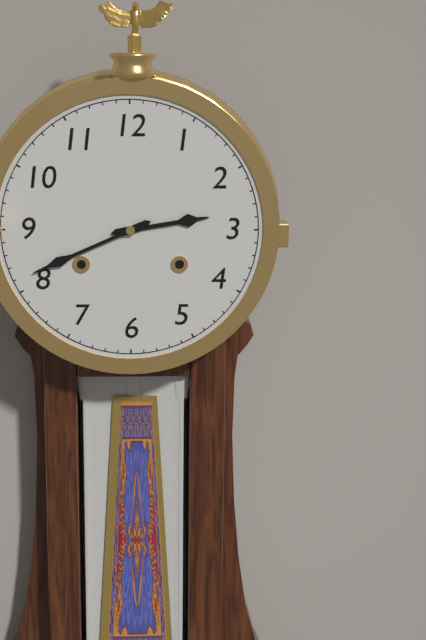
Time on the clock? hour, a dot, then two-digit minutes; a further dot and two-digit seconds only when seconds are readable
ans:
2.41
